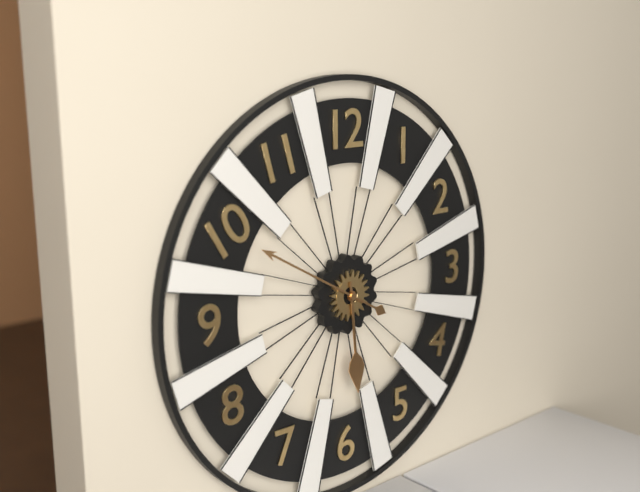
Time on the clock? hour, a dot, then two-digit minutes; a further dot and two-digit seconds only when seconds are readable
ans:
5.50
